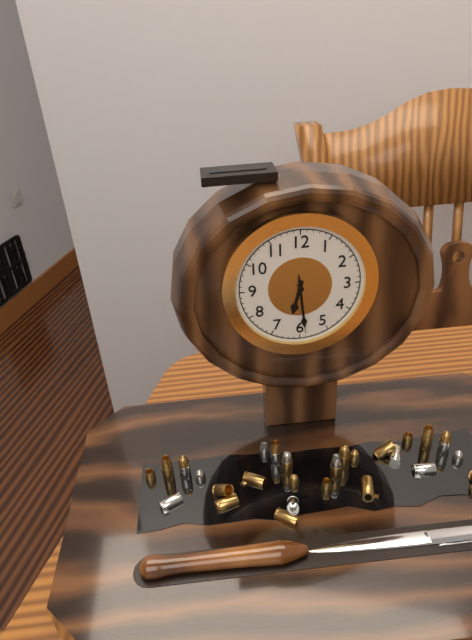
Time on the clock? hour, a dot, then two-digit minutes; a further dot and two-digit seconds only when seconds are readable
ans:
6.29.29
